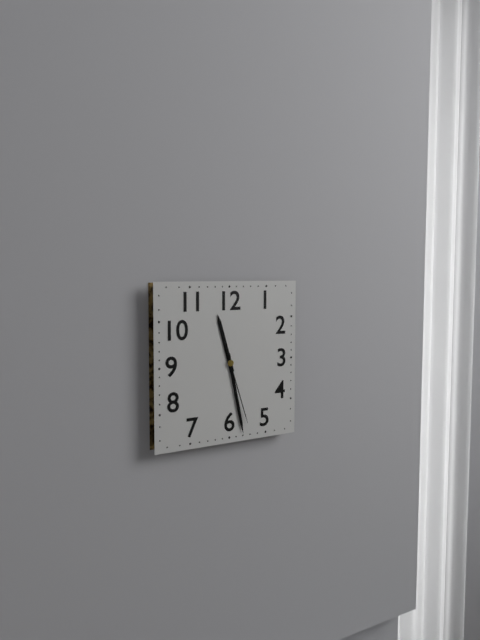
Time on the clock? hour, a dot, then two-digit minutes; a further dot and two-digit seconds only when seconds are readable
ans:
11.28.27
